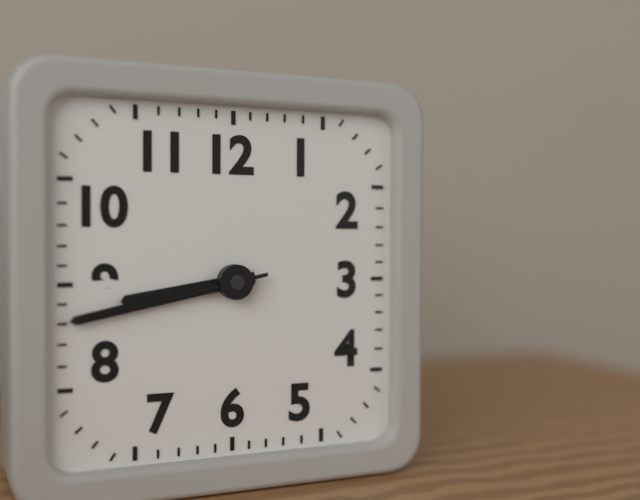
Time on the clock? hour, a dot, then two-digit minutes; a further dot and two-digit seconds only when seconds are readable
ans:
8.43.43
